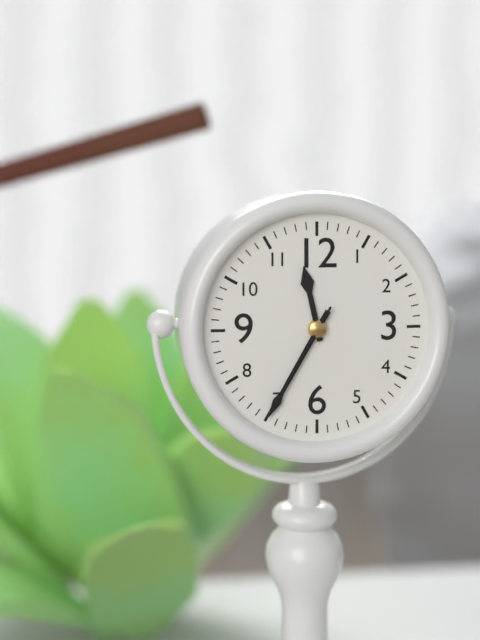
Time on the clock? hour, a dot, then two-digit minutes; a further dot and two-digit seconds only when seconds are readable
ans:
11.35.35
